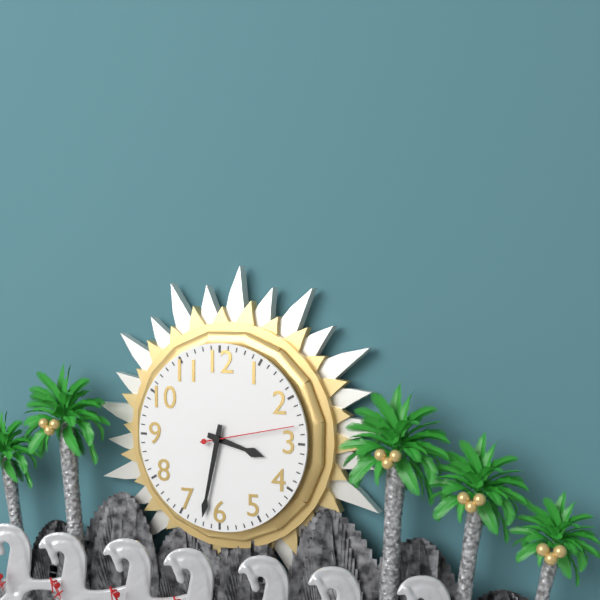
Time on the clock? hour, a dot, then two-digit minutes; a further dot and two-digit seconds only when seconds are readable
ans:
3.32.13
